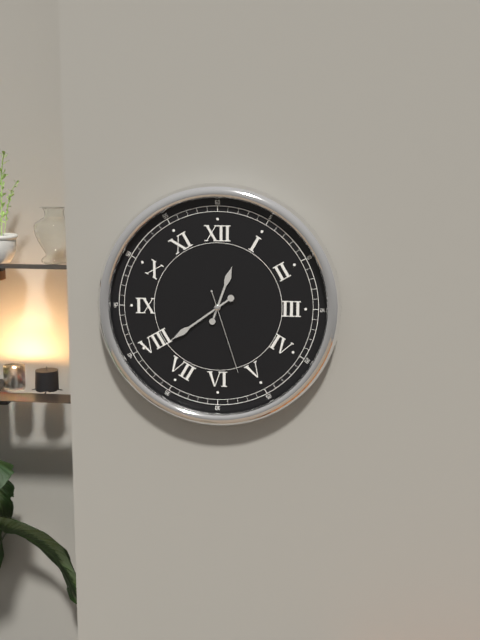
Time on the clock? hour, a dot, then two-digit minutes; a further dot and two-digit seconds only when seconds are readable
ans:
12.39.27
